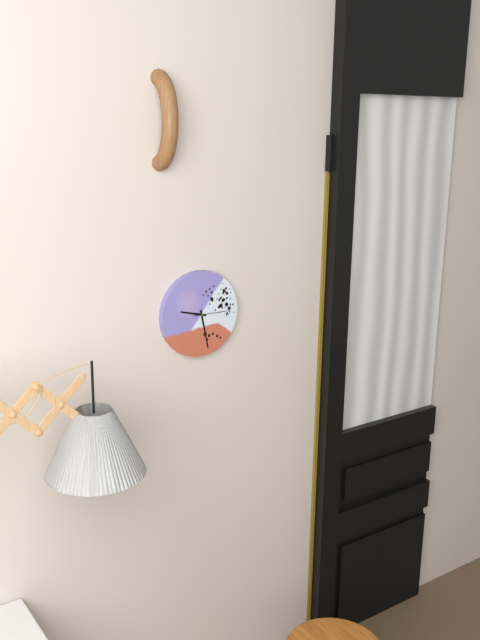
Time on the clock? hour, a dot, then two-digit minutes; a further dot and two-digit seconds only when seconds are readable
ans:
9.28
